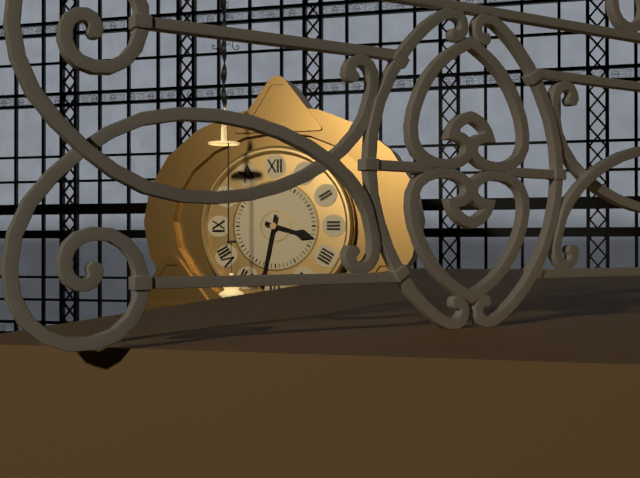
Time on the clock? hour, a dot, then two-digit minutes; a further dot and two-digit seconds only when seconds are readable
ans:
3.32
